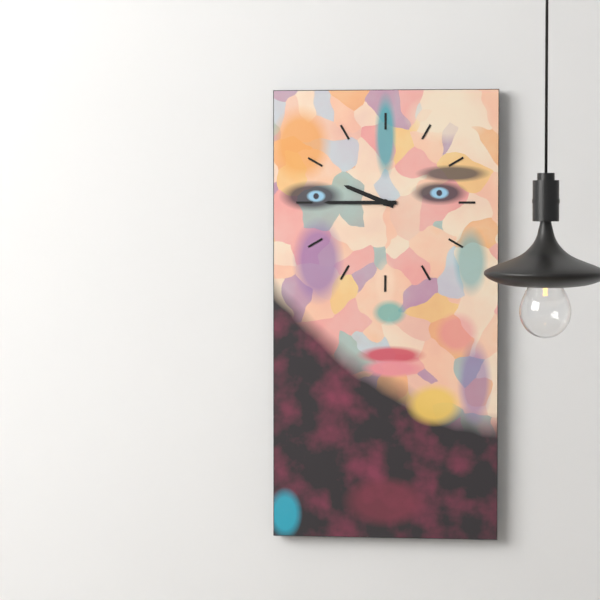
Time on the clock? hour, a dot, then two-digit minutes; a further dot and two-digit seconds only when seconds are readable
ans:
9.45
